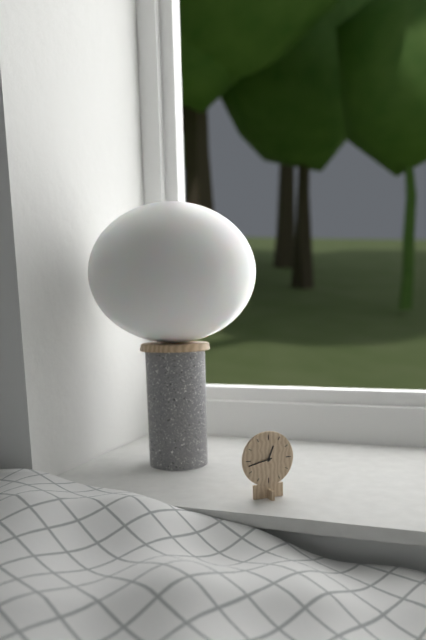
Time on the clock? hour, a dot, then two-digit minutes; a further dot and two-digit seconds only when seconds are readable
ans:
12.43
